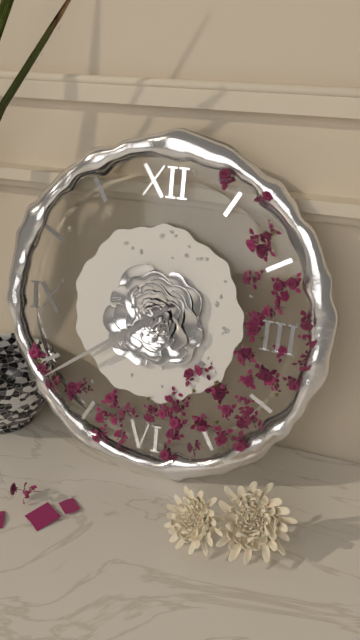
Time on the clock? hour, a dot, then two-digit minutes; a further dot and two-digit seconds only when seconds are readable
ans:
7.39
